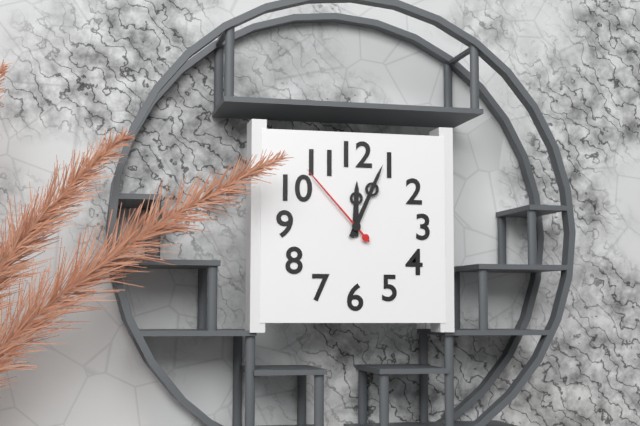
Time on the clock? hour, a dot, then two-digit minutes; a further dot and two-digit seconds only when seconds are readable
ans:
12.04.53
